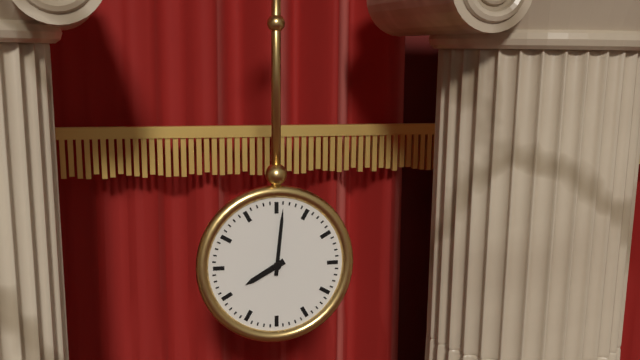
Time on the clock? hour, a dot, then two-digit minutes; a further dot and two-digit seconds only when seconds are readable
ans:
8.01
